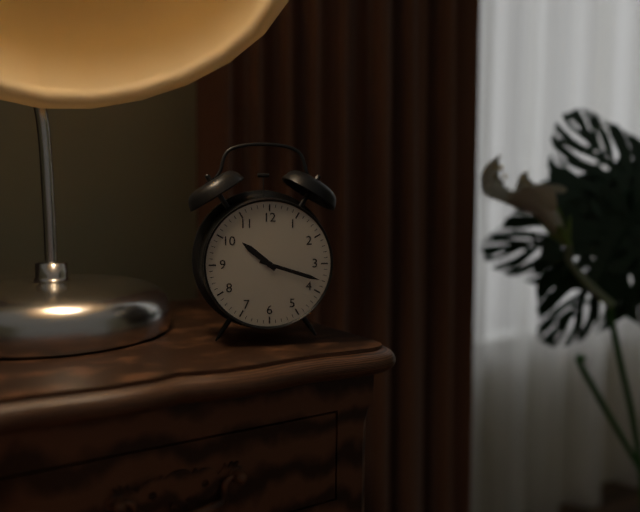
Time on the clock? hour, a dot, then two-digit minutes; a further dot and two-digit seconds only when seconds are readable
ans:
10.18
